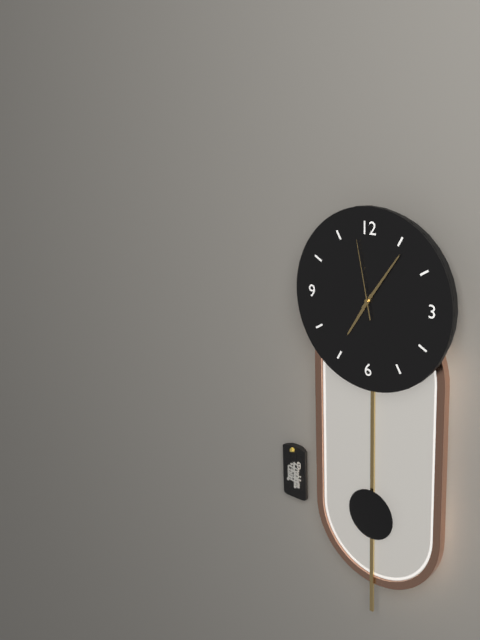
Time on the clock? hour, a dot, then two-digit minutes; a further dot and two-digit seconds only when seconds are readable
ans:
7.06.58
